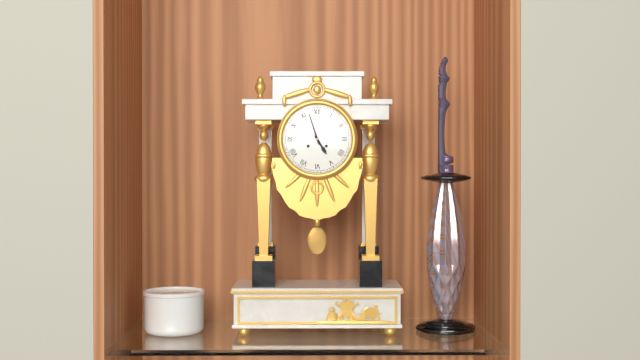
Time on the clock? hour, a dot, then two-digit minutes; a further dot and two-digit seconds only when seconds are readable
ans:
4.57
